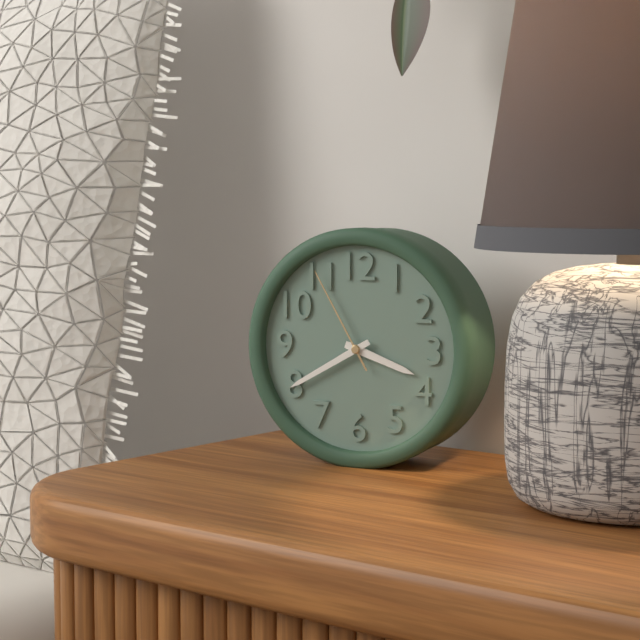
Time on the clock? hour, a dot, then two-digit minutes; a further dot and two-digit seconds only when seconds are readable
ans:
3.40.55
